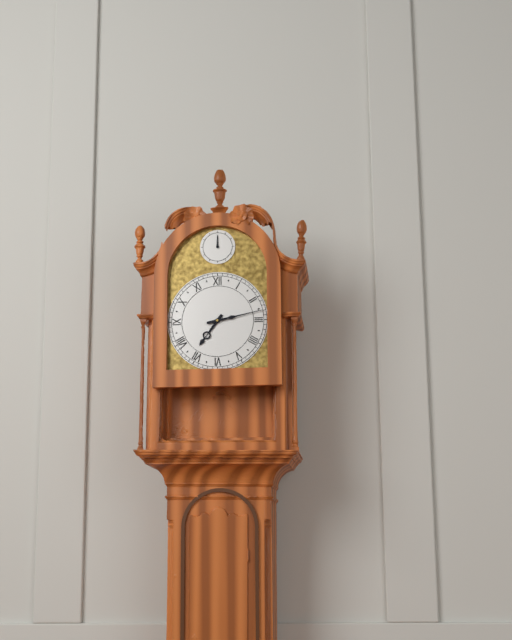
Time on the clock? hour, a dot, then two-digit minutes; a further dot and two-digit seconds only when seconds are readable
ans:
7.13
